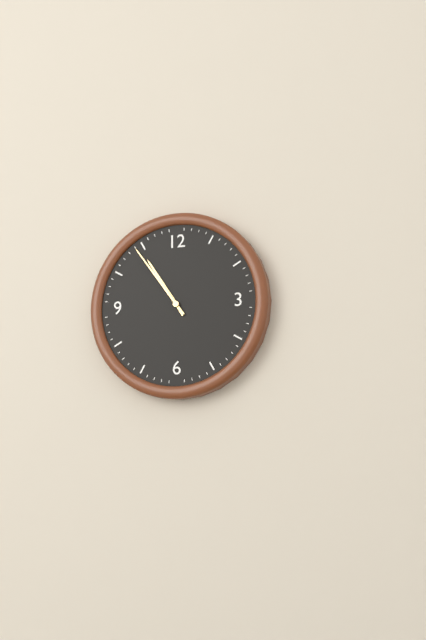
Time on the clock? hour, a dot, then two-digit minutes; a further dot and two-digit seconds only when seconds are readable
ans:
10.54
